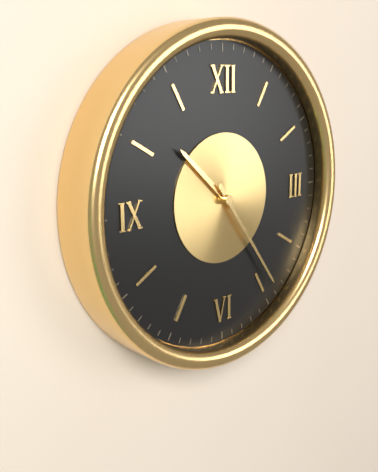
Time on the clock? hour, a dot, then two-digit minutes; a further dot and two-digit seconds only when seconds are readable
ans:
10.24
